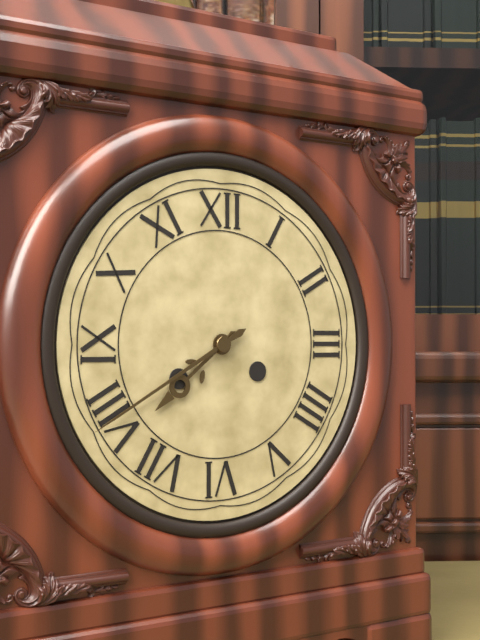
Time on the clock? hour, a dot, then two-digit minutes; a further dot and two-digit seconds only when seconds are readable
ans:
7.40
